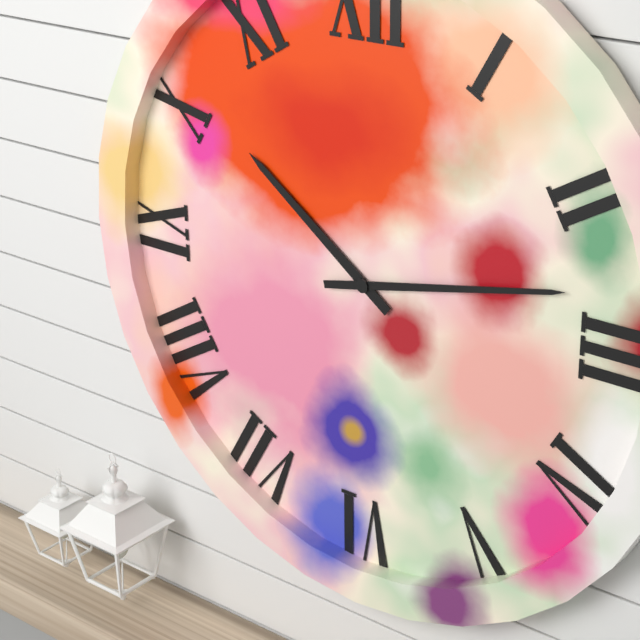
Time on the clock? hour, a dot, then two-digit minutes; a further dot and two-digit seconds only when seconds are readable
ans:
10.13
